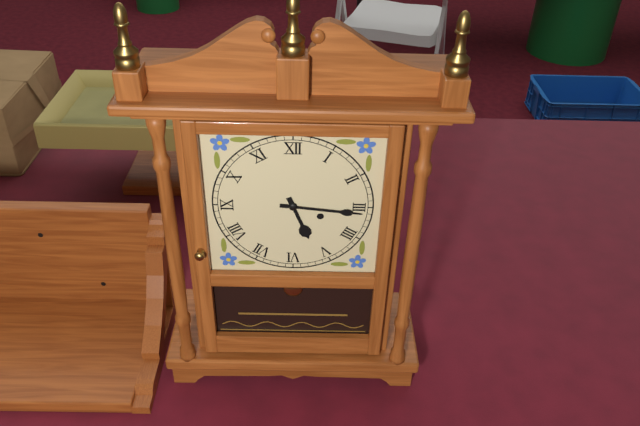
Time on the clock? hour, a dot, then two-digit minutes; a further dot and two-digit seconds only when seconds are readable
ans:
5.16
